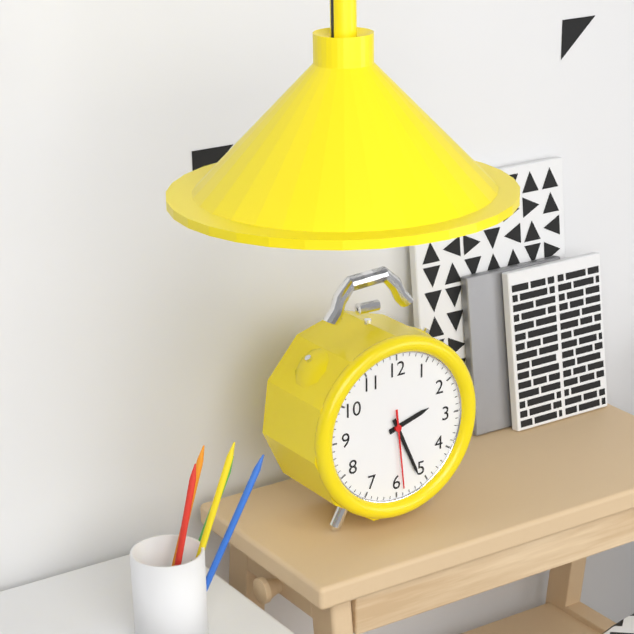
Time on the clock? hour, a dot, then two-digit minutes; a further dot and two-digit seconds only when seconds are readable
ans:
2.26.29
